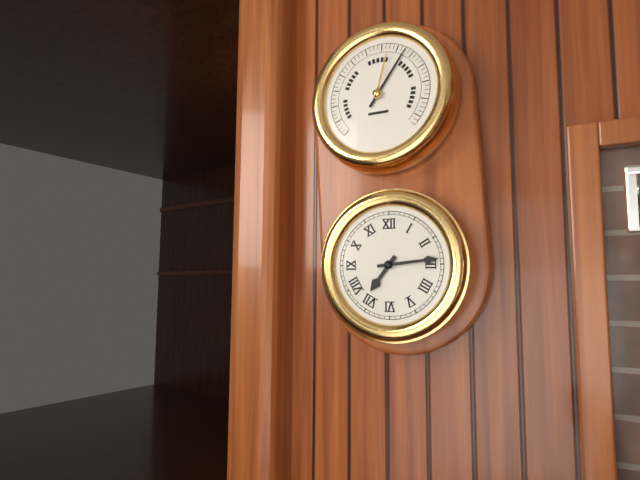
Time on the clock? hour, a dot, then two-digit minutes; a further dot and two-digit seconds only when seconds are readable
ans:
7.14
